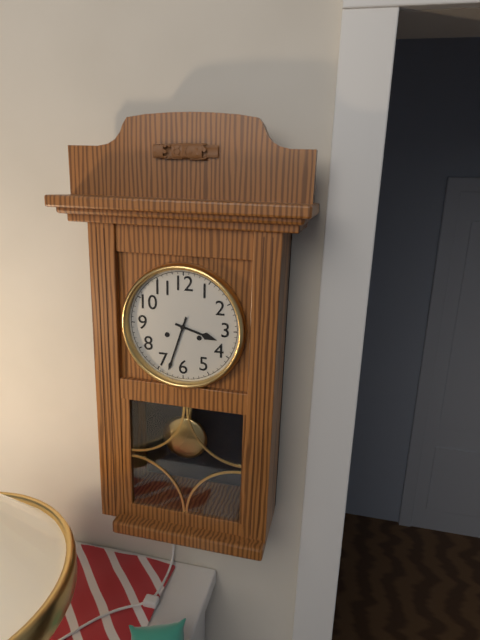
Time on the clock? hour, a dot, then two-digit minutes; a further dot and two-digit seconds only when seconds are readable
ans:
3.33
